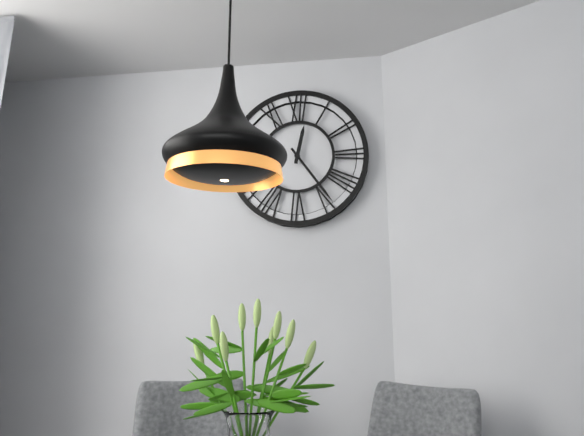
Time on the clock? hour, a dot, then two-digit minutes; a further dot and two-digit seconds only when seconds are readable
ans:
12.24
